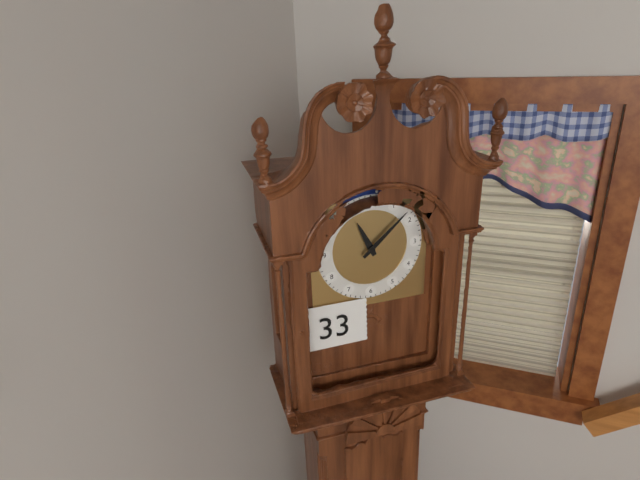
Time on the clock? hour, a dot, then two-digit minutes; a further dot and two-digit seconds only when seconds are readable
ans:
11.08
